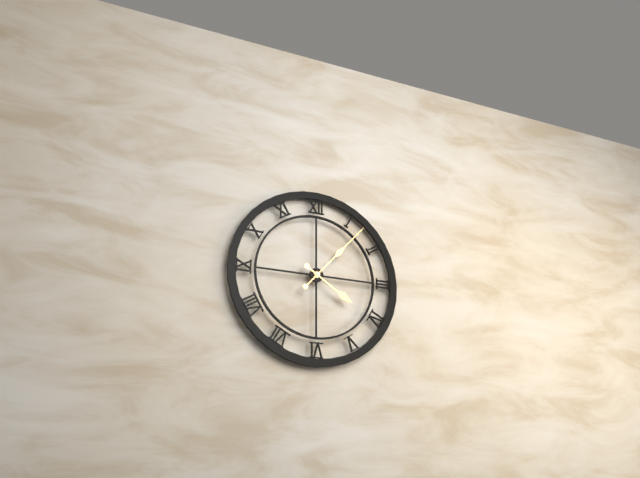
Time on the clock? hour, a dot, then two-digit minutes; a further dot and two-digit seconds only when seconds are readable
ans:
4.07
